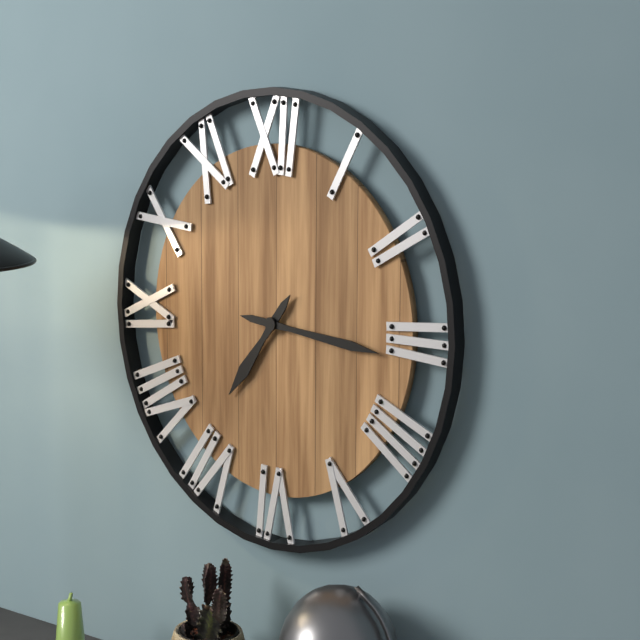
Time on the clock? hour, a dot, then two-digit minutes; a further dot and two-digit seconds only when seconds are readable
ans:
7.16
